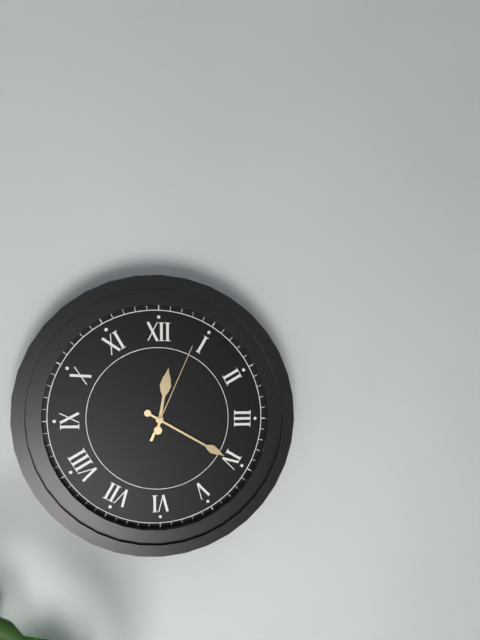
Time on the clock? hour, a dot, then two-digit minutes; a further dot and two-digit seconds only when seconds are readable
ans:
12.20.04
